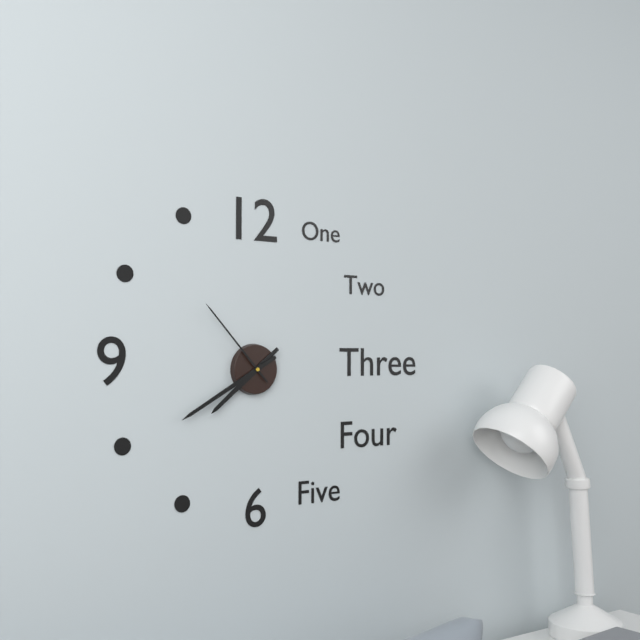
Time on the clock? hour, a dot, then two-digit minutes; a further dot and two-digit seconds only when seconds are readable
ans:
7.40.53
